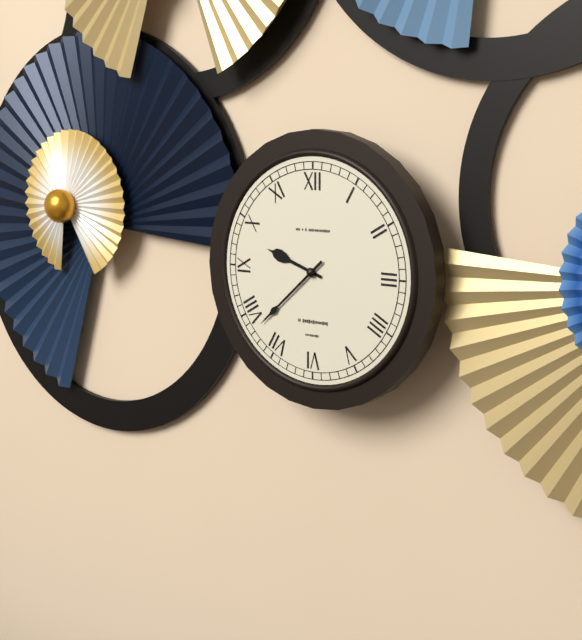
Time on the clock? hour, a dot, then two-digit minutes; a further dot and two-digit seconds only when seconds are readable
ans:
9.38
